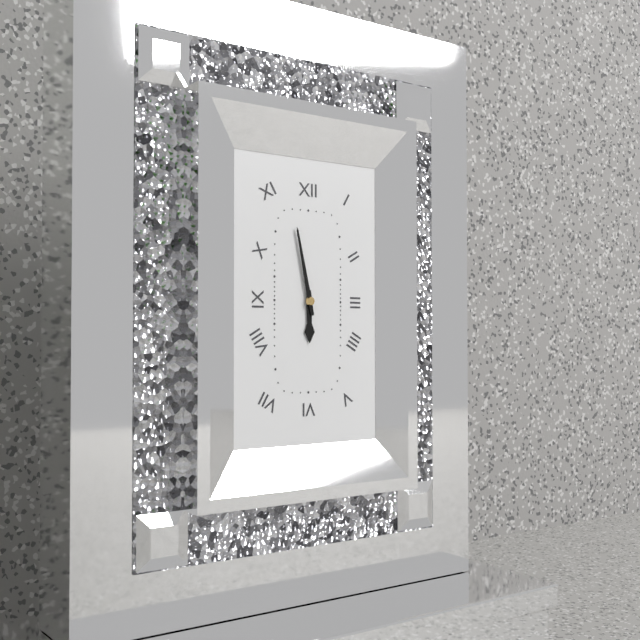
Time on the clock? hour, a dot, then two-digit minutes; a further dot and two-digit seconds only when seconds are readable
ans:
5.58
